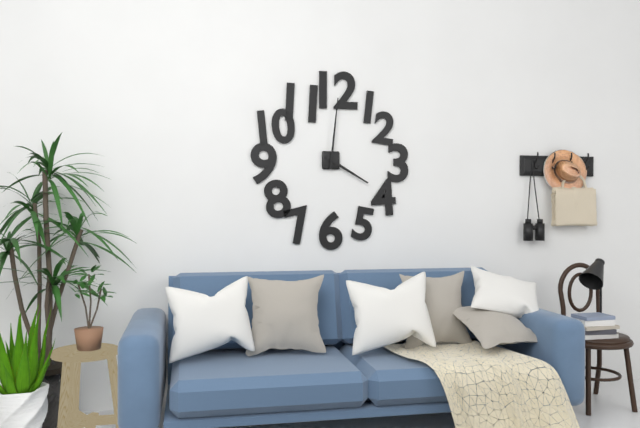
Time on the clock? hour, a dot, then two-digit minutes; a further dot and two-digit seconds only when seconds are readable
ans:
4.01
